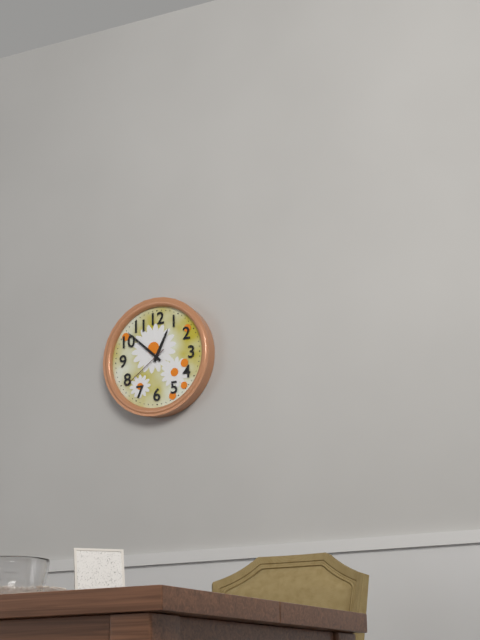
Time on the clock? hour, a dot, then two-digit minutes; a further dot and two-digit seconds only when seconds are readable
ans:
12.52.39
